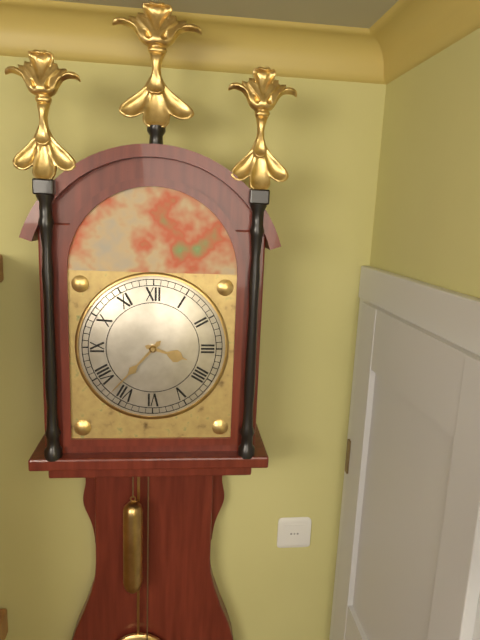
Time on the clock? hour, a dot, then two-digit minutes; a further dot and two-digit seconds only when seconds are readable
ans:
3.37
